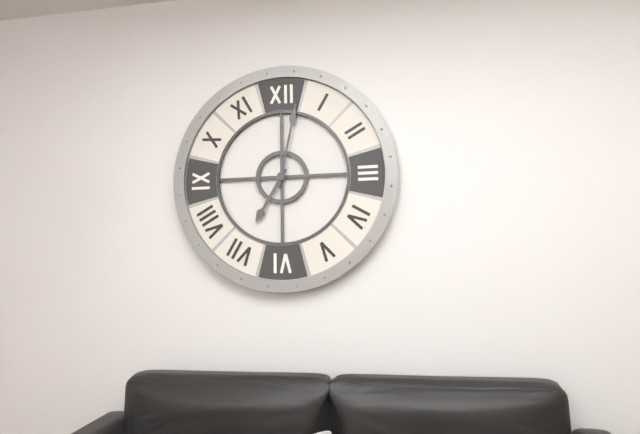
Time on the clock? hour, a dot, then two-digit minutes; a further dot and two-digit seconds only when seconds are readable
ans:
7.02
